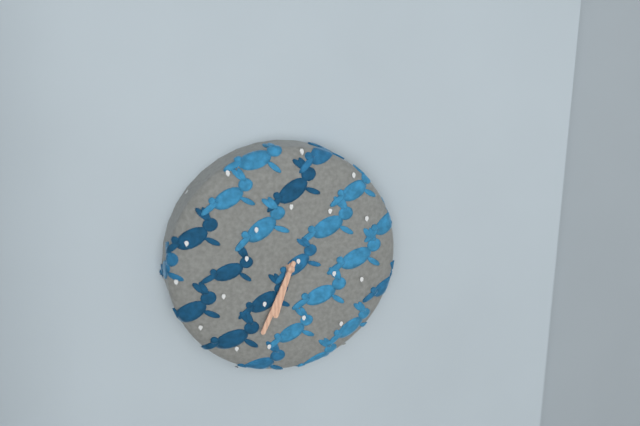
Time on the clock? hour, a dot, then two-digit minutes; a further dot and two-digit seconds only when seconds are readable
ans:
6.34
